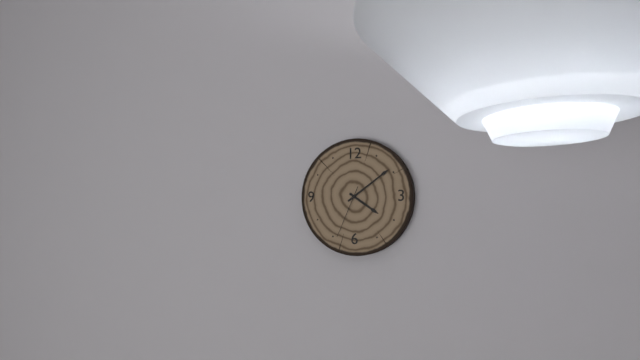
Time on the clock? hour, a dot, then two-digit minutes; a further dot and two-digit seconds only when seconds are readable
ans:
4.09.34
